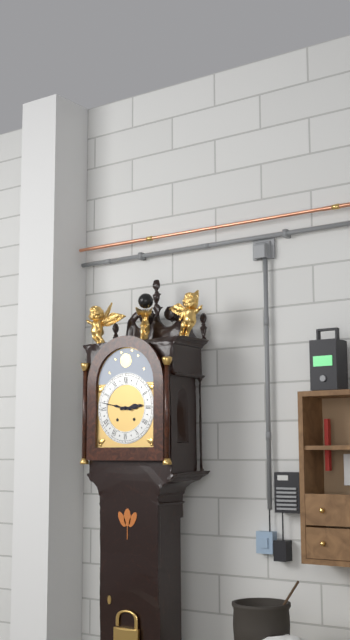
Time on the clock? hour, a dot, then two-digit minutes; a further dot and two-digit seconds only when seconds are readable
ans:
2.47
